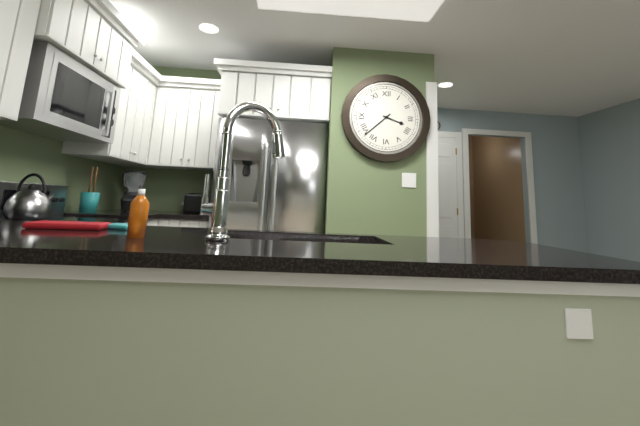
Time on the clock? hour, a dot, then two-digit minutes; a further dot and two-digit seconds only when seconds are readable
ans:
3.38
